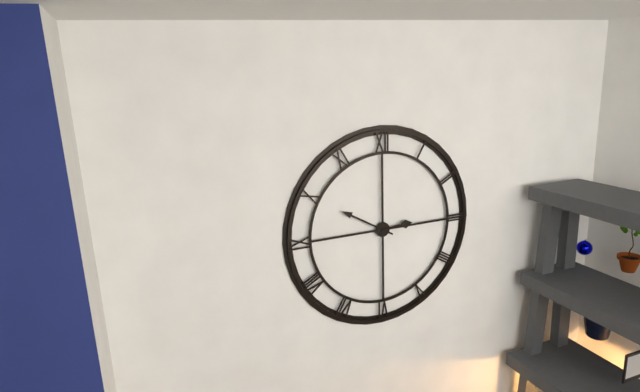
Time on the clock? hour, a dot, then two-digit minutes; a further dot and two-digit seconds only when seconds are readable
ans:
2.50
